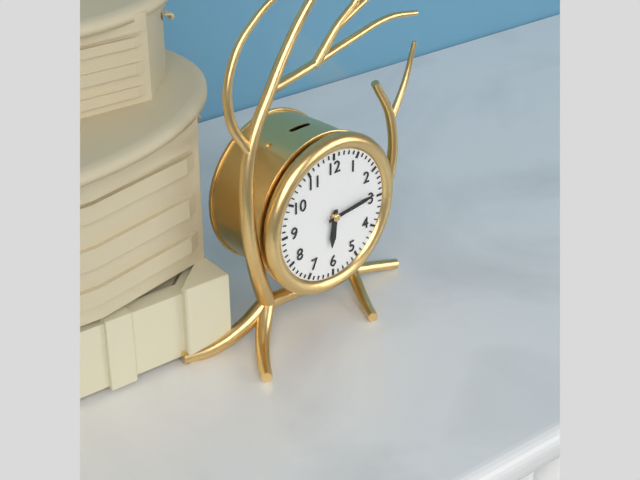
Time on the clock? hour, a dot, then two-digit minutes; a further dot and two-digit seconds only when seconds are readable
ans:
6.14
